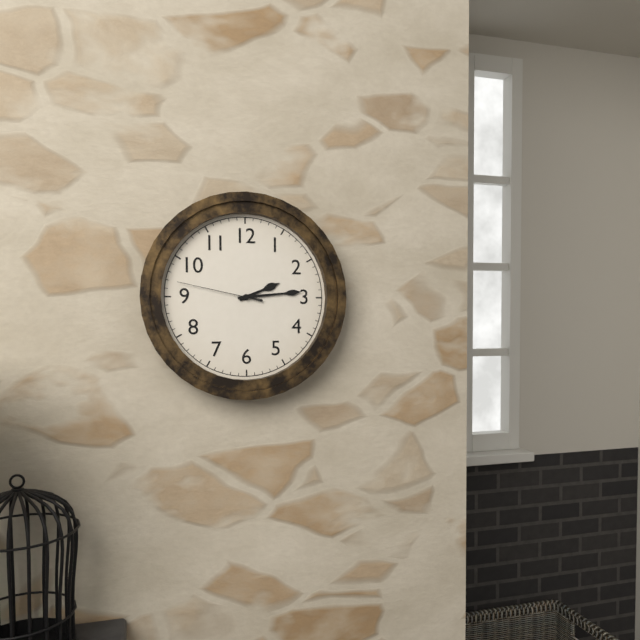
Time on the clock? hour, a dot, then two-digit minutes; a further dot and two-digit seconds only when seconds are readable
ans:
2.14.47
